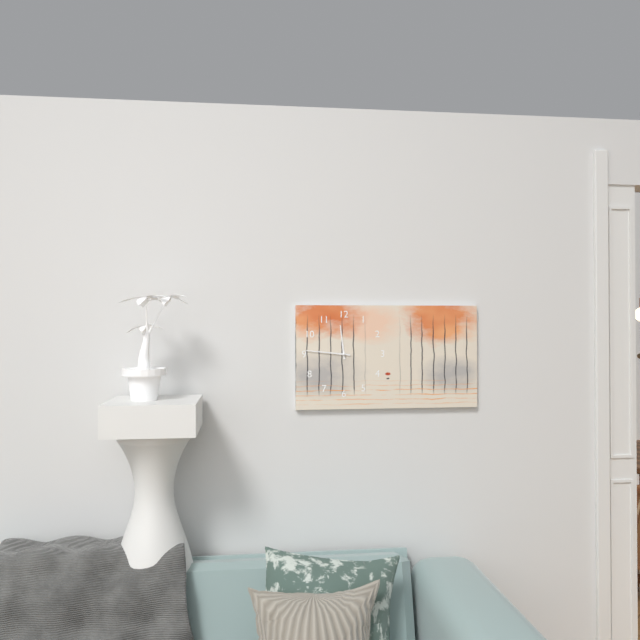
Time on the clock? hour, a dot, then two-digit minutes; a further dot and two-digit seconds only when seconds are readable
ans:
11.46
